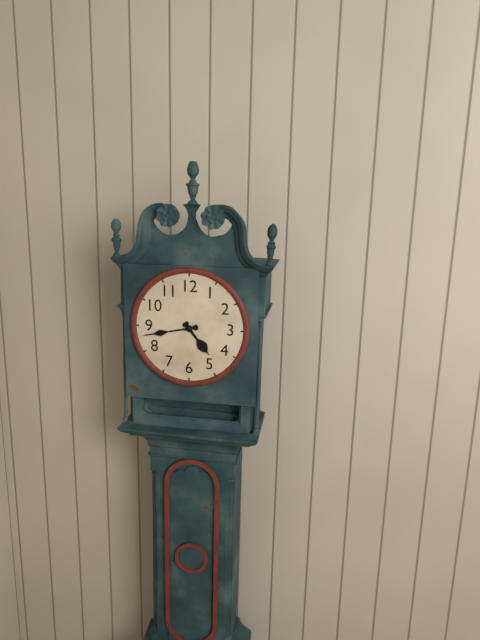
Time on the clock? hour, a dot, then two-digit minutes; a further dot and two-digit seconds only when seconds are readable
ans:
4.43
